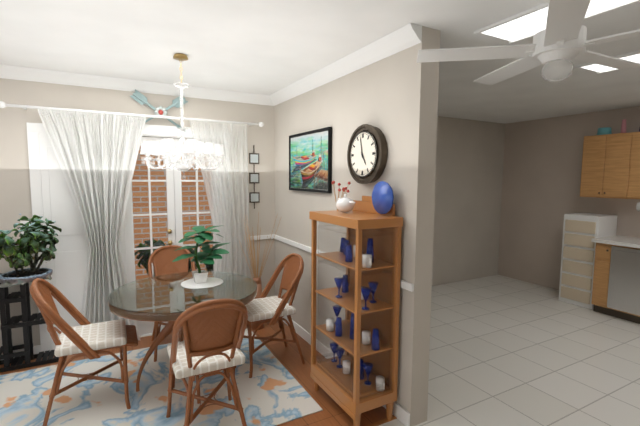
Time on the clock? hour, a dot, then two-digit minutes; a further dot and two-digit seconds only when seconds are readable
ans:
4.58
